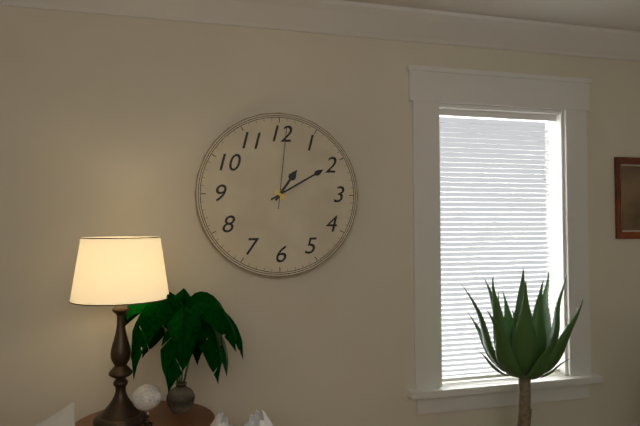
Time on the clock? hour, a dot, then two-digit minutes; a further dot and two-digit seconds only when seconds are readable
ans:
1.10.01
